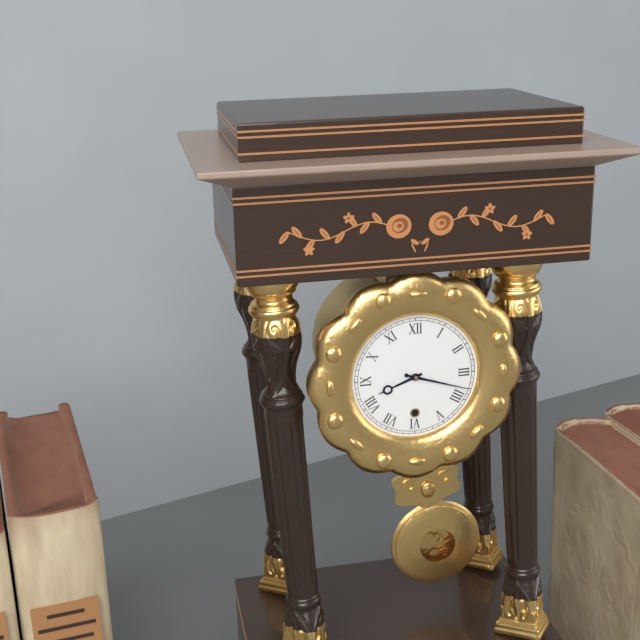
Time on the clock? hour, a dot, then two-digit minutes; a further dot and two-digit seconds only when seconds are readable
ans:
8.18
